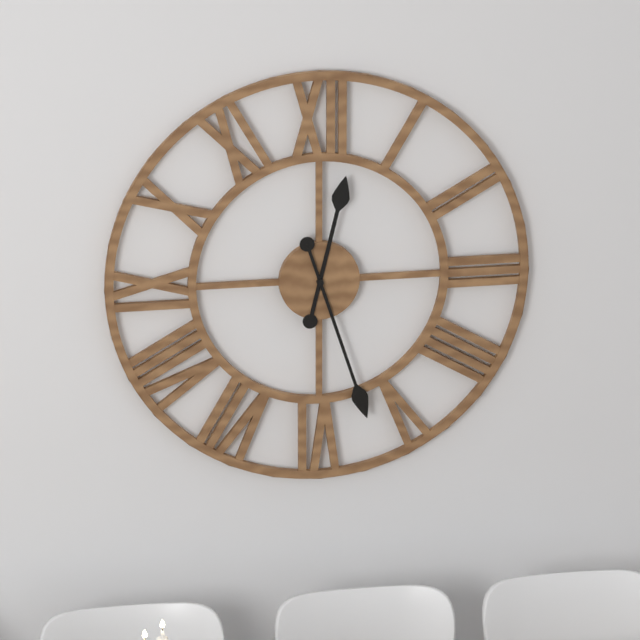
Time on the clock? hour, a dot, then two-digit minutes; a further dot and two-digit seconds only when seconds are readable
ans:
12.27
